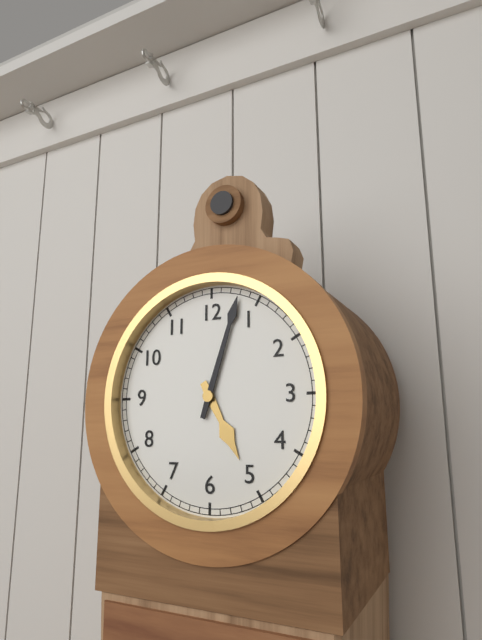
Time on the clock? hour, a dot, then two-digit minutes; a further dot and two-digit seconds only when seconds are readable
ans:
5.03
